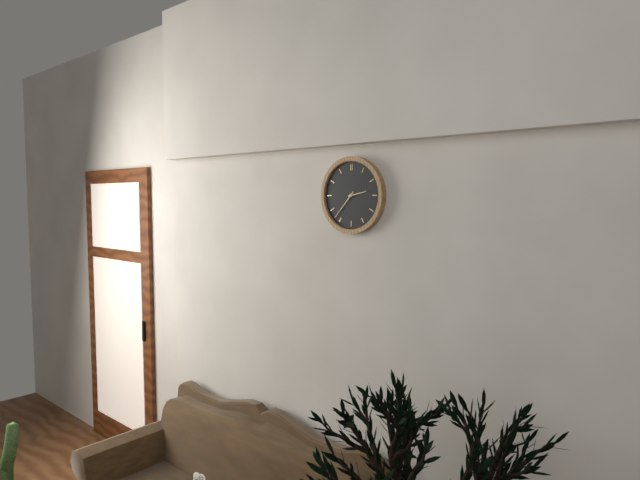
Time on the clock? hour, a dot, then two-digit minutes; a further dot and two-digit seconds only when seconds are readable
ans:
2.37
